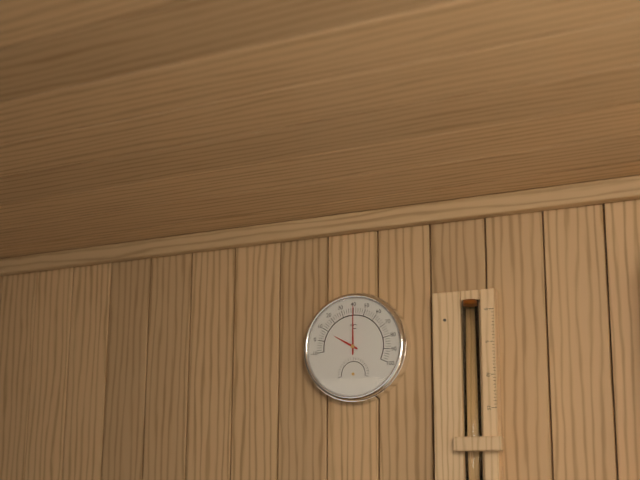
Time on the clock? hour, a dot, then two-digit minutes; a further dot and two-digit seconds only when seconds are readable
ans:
10.00
